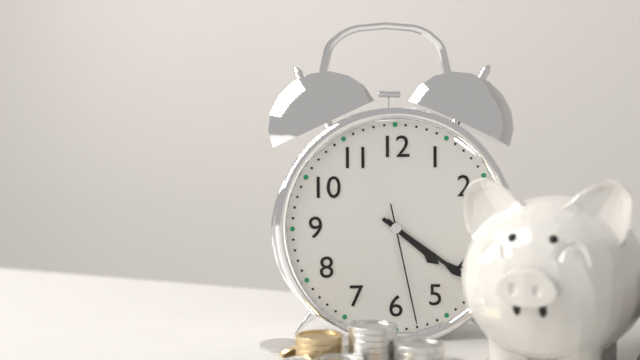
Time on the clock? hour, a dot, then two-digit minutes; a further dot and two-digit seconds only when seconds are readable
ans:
4.21.28
